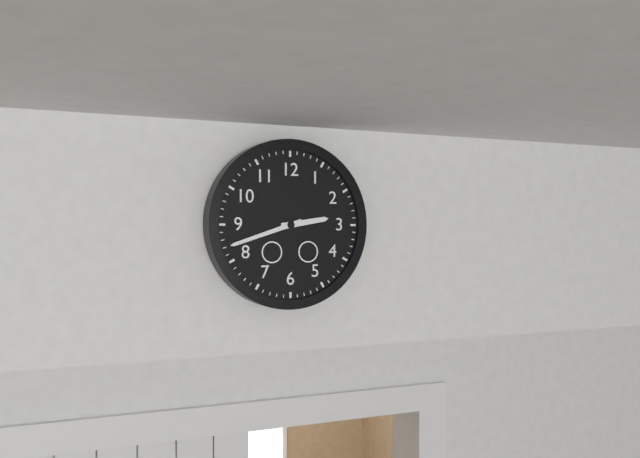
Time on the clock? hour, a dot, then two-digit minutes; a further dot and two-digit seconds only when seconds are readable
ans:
2.42
